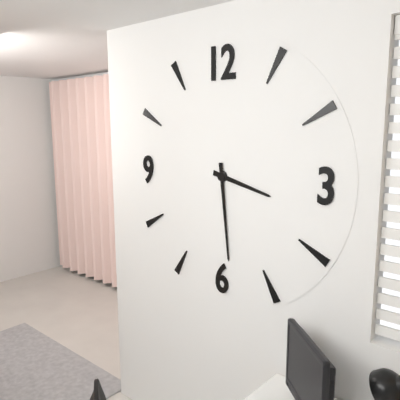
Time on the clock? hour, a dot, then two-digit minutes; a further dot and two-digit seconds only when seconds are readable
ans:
3.29
